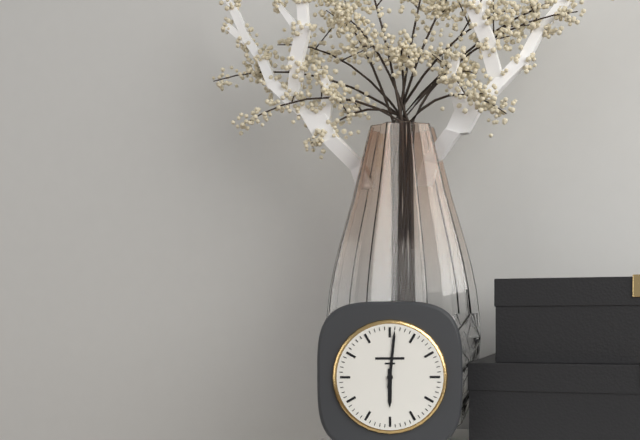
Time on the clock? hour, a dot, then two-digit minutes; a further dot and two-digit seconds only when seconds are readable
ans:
6.01
